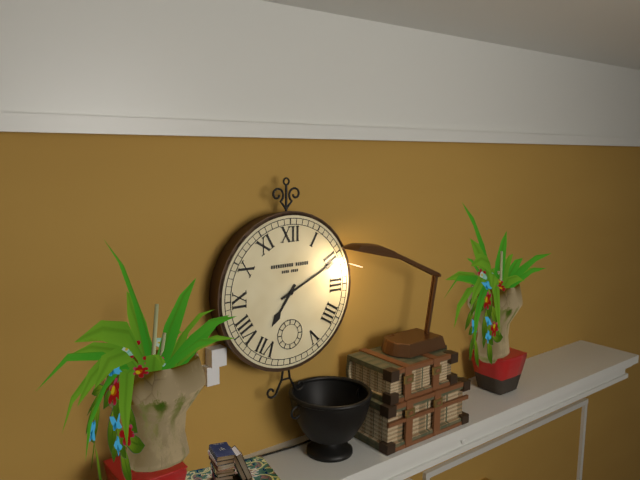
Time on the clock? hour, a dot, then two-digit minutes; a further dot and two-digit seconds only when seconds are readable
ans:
7.11
